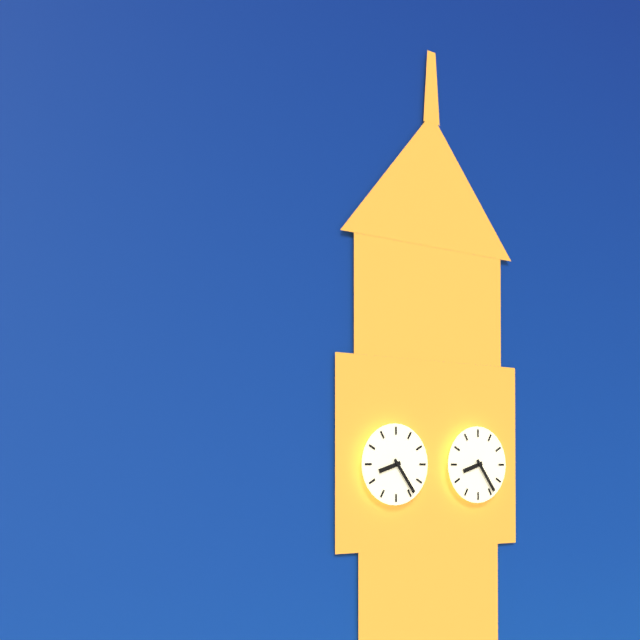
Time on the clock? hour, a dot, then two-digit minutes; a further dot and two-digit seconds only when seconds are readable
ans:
8.24
